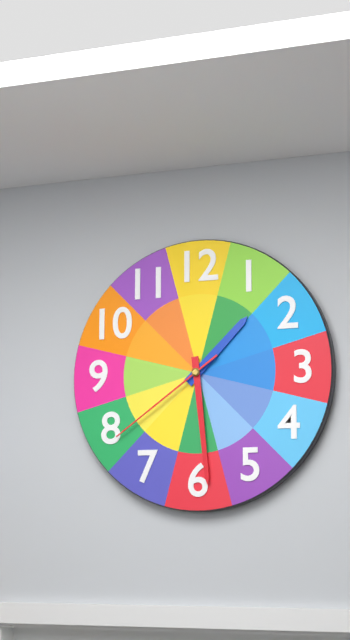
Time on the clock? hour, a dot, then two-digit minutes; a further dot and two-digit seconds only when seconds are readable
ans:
1.29.39
